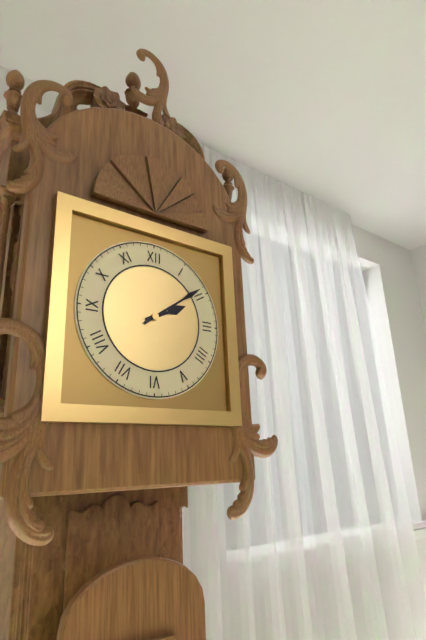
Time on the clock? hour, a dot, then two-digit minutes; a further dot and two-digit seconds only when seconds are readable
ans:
2.09
